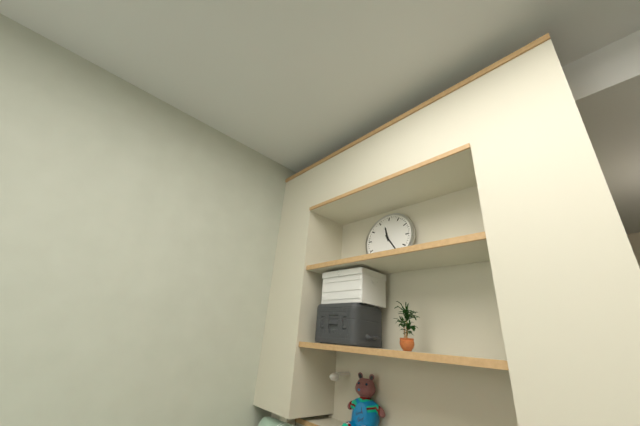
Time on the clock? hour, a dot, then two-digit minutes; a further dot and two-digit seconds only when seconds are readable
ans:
11.24
